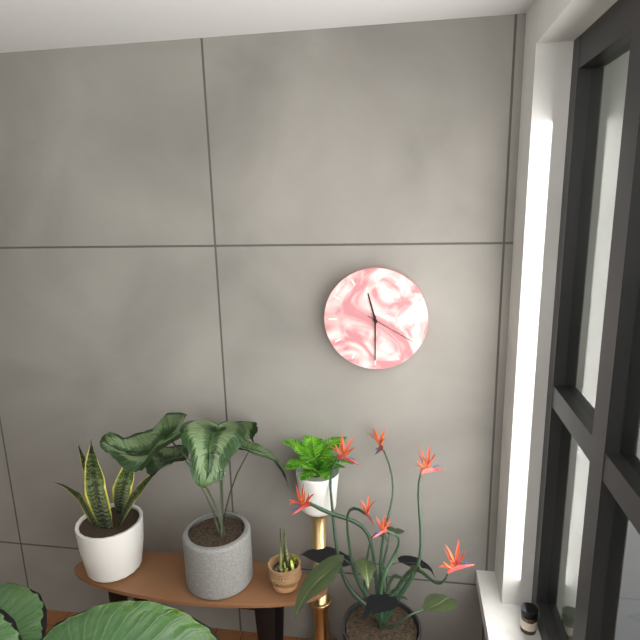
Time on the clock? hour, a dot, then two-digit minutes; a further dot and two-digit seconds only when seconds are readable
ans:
11.30.20
